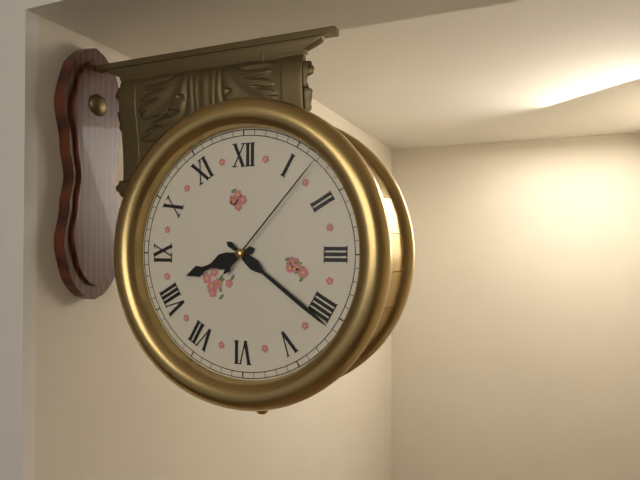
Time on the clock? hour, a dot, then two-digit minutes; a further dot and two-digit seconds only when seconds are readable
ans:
8.21.07
